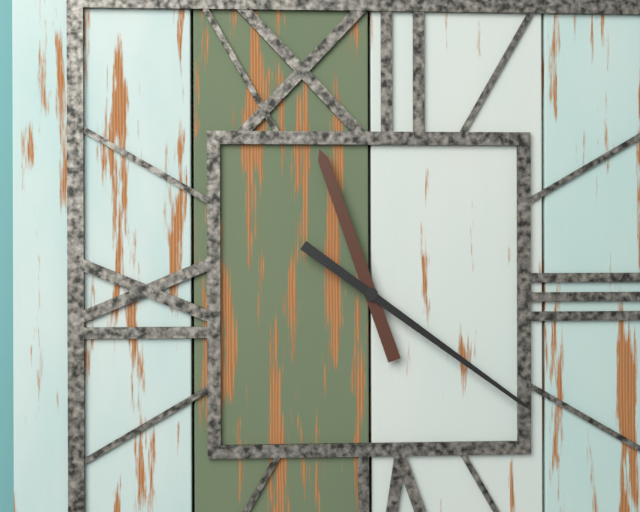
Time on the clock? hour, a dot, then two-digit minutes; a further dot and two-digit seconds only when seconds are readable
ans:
11.21
